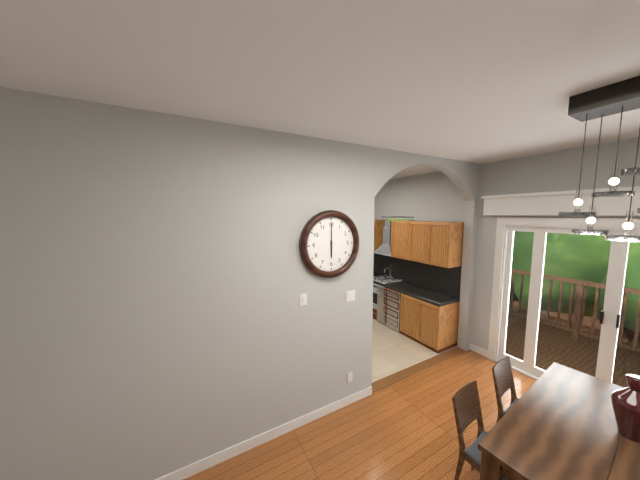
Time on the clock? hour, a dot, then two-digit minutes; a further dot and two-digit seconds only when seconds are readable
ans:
6.00
